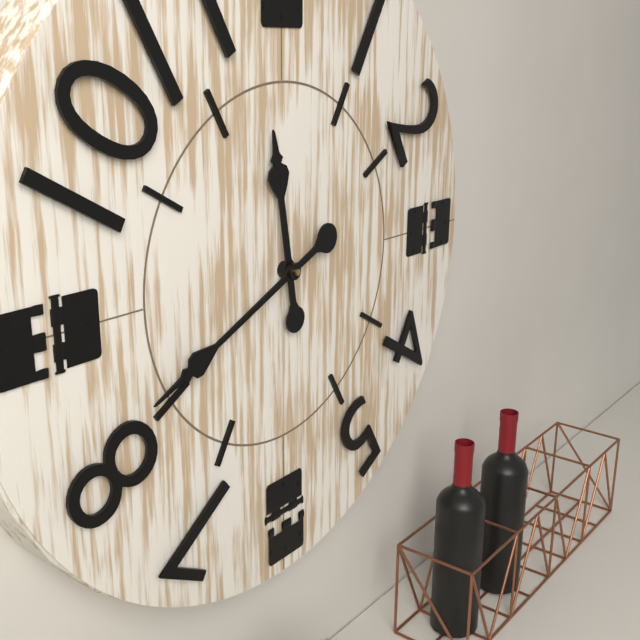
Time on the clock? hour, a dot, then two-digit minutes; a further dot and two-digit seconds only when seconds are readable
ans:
11.41
